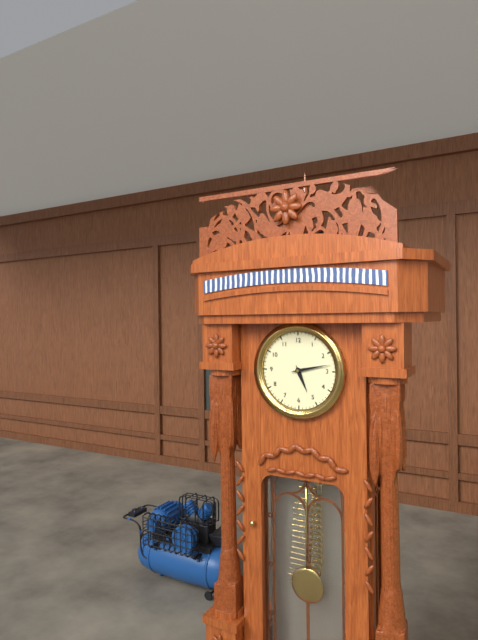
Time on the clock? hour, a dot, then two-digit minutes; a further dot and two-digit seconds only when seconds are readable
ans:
5.13
